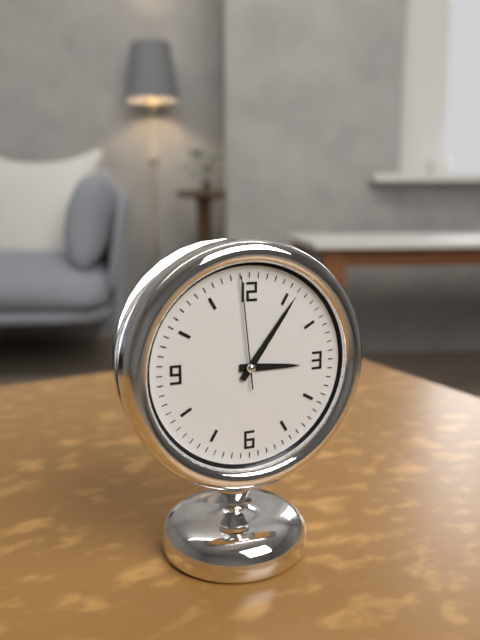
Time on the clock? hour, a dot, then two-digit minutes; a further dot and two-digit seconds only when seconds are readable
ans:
3.06.59
